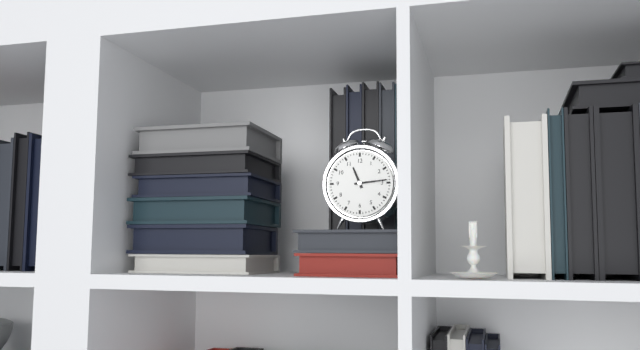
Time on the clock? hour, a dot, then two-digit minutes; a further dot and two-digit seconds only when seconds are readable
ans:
11.14
